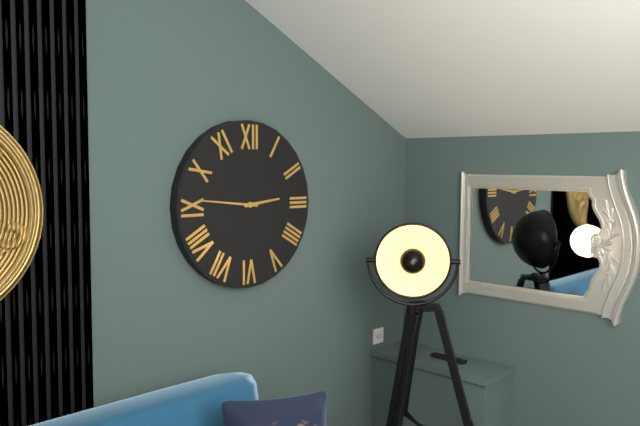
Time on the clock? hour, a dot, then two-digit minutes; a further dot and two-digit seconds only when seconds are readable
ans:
2.46
